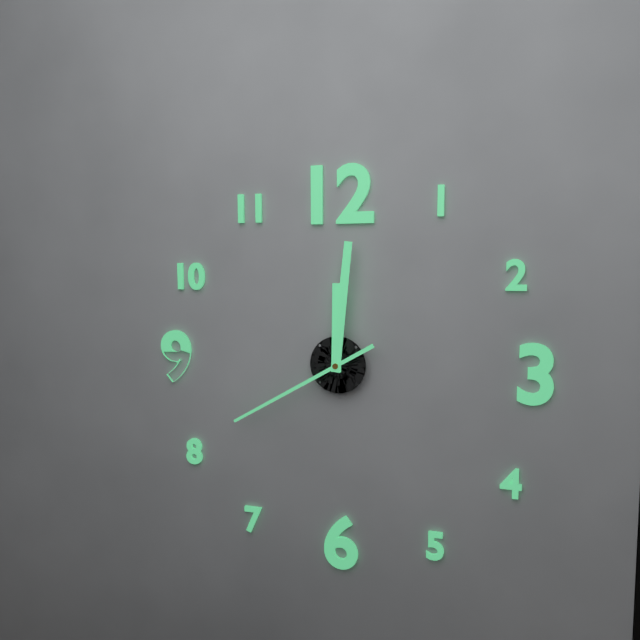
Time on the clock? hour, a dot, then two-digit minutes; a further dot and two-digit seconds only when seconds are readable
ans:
12.01.40
